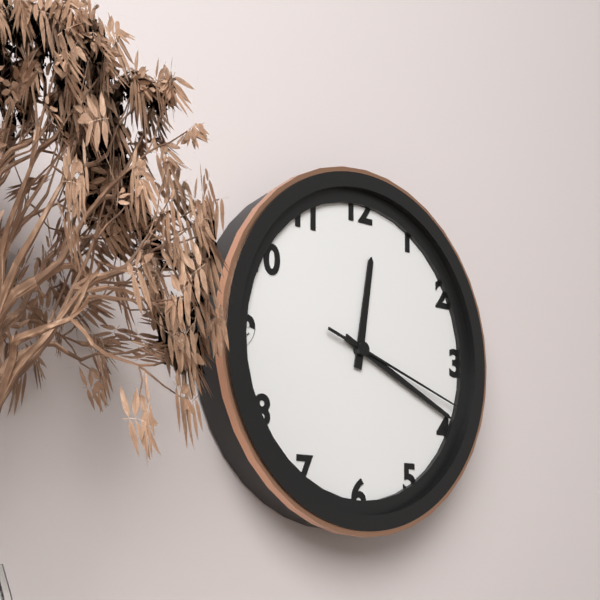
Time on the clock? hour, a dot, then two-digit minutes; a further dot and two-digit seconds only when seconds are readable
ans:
12.19.18
